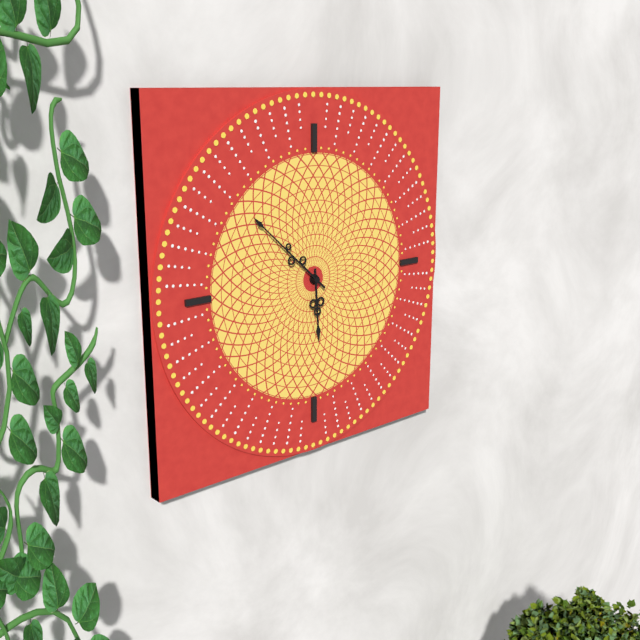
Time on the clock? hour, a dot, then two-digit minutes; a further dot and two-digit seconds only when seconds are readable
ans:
5.52
